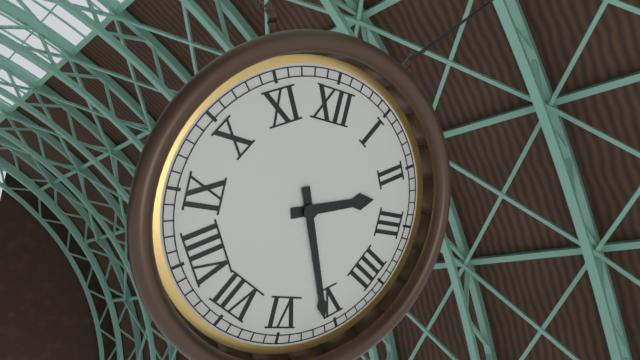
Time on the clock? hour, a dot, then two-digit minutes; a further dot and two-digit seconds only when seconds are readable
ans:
2.26
